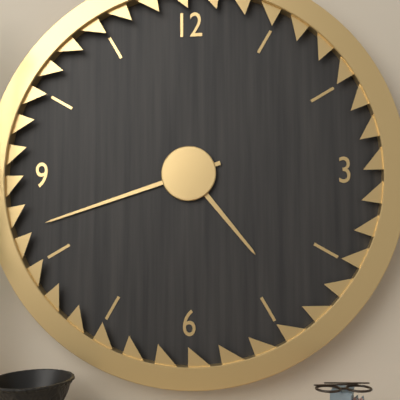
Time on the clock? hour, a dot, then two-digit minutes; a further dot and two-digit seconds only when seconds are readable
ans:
4.42
